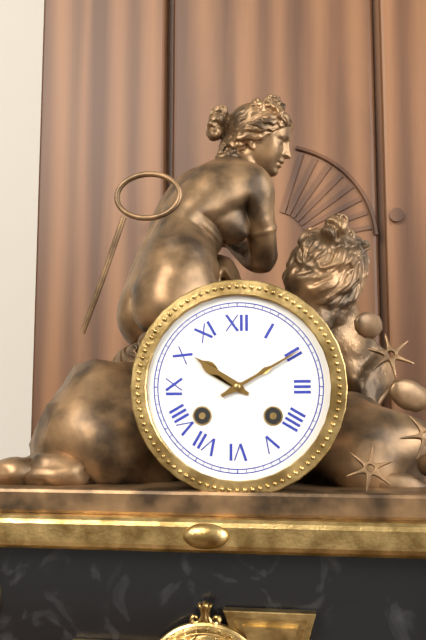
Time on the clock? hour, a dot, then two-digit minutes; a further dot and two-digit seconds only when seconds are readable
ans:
10.10
